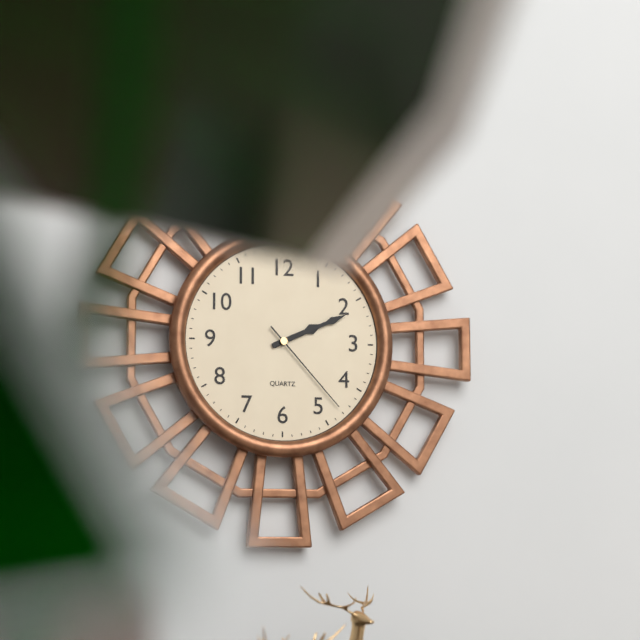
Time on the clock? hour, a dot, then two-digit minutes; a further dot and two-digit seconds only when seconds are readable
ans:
2.11.23
